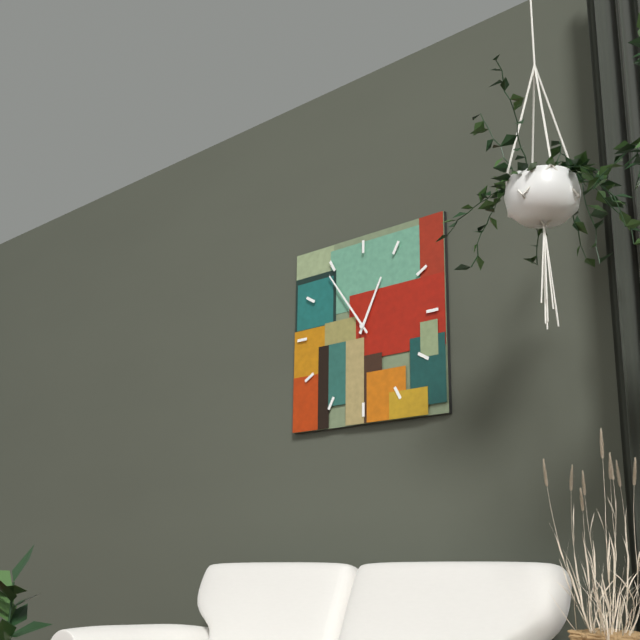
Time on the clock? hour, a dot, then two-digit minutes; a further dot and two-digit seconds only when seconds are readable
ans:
12.54
